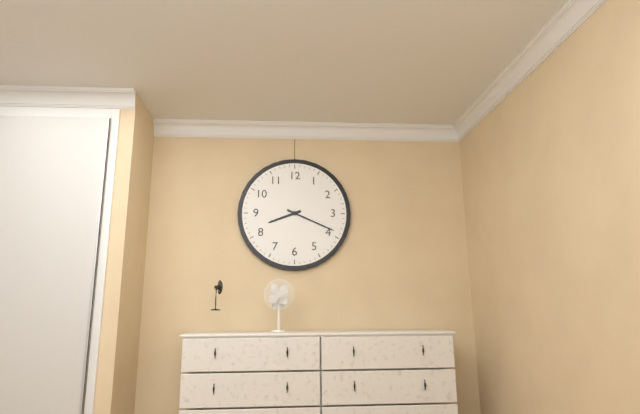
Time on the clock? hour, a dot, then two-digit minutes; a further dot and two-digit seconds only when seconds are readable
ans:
8.19
